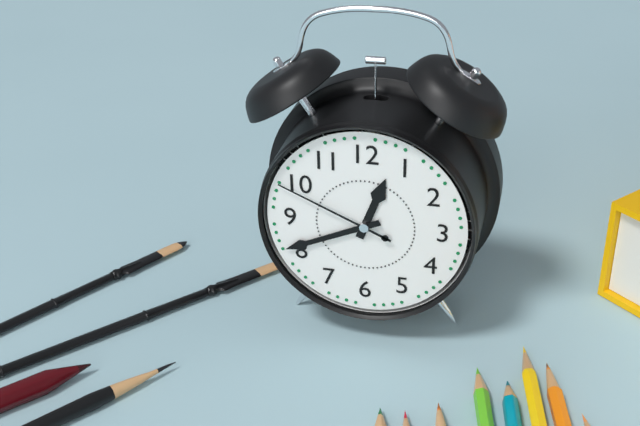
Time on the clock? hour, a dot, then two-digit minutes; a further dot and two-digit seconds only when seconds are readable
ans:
12.41.49
